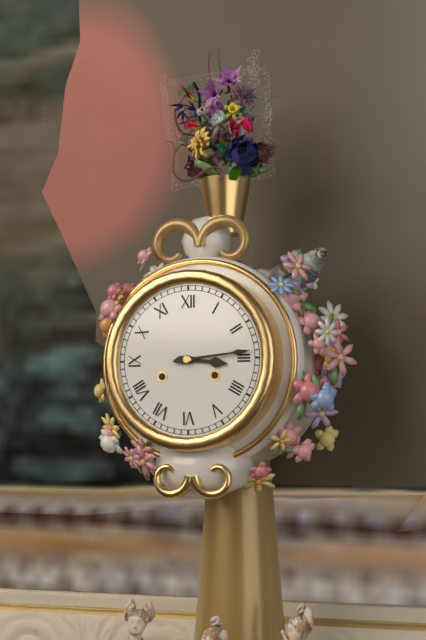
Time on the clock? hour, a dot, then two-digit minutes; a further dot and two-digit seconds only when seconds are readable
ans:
3.14
